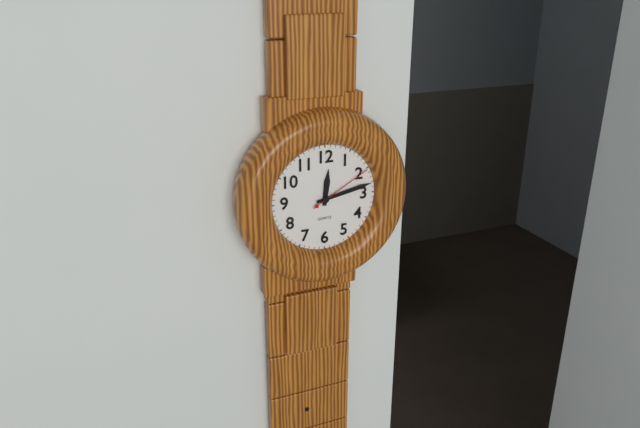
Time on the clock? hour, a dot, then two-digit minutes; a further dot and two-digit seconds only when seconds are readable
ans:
12.13.10
